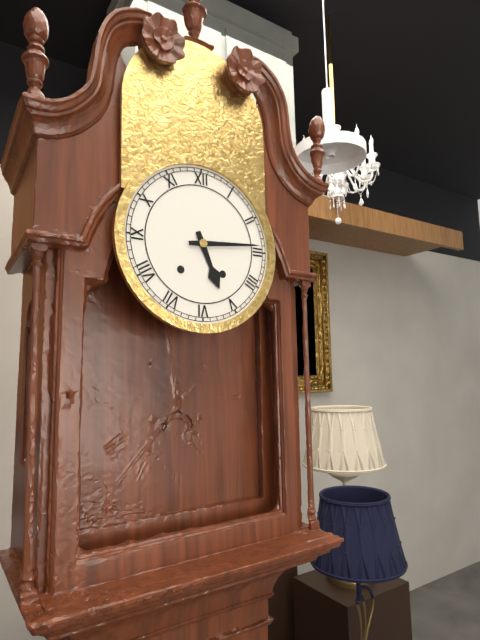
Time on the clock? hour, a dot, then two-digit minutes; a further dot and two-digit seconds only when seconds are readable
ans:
5.14
